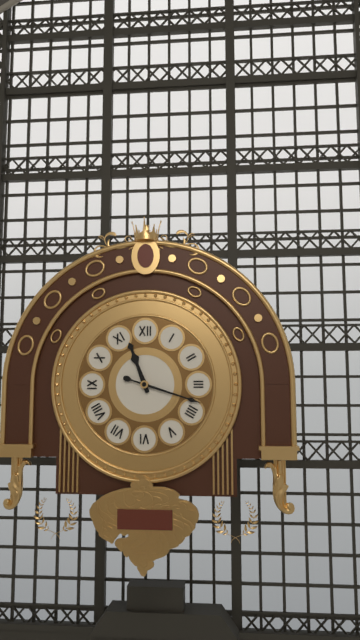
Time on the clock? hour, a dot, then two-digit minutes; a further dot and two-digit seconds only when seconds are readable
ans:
11.18
